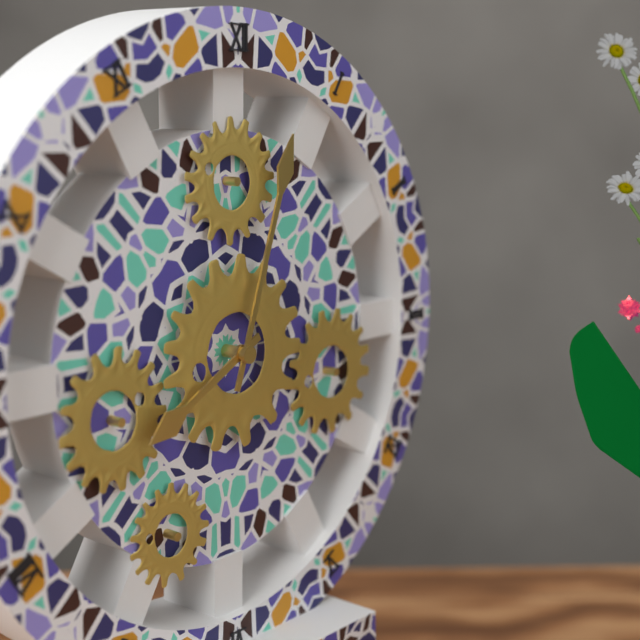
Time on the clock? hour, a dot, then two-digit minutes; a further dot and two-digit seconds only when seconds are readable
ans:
8.03
